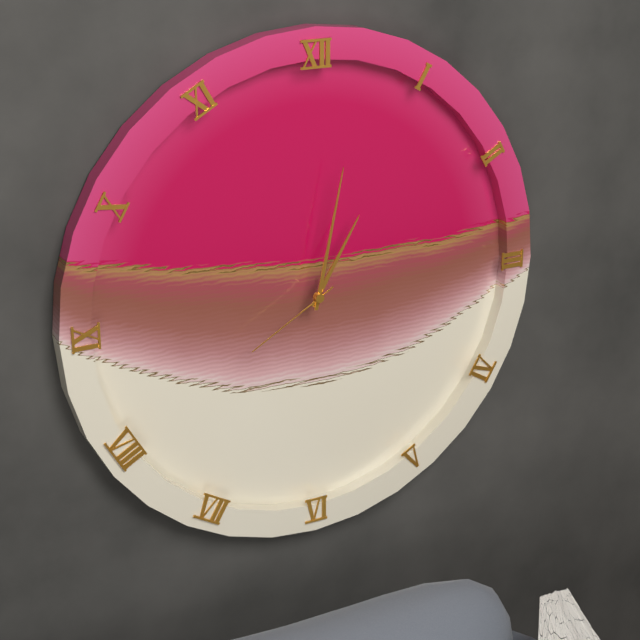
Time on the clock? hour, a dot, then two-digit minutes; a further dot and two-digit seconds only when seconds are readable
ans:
1.02.40
